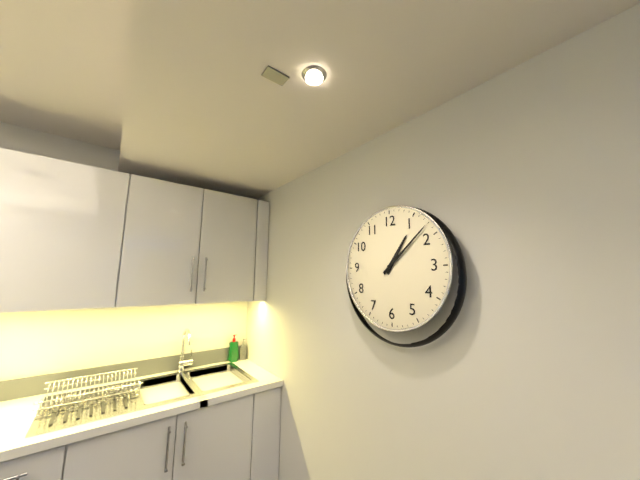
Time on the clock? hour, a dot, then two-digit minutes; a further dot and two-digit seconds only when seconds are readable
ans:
1.08
